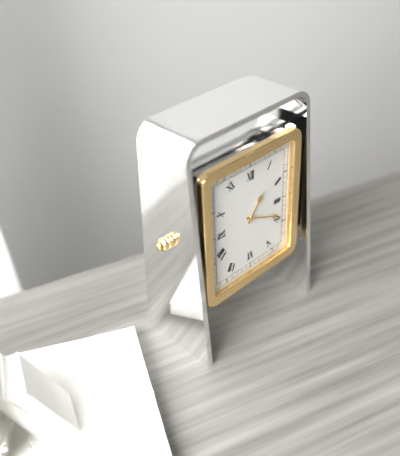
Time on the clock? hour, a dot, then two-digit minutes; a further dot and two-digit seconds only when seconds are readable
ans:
1.19
